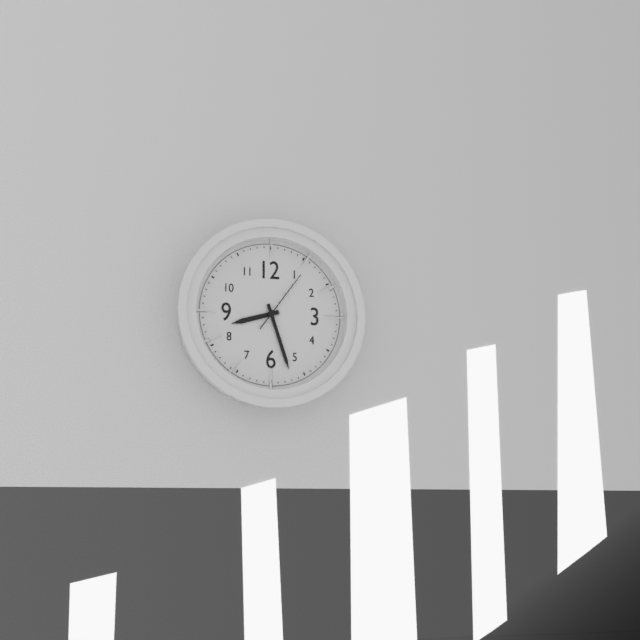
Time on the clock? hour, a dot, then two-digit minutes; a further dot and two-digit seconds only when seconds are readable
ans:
8.27.06
